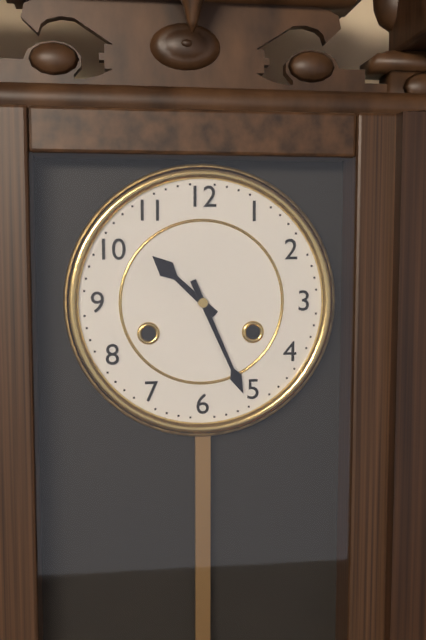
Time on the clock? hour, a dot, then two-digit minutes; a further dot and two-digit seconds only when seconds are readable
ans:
10.26
